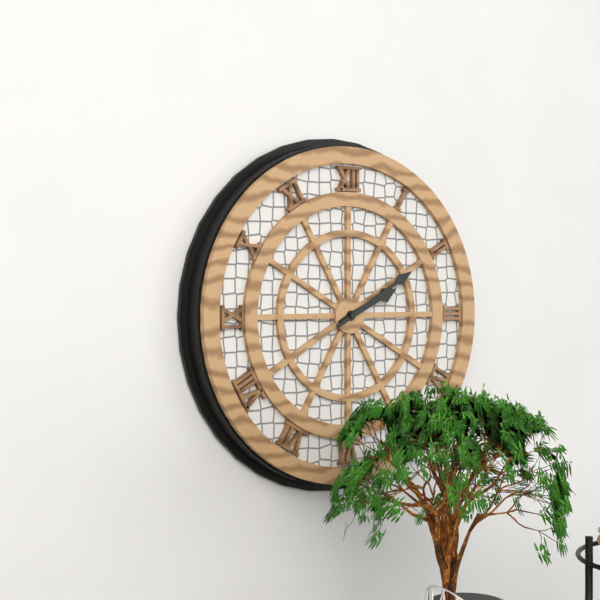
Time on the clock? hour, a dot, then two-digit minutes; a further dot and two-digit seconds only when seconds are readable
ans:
2.10
